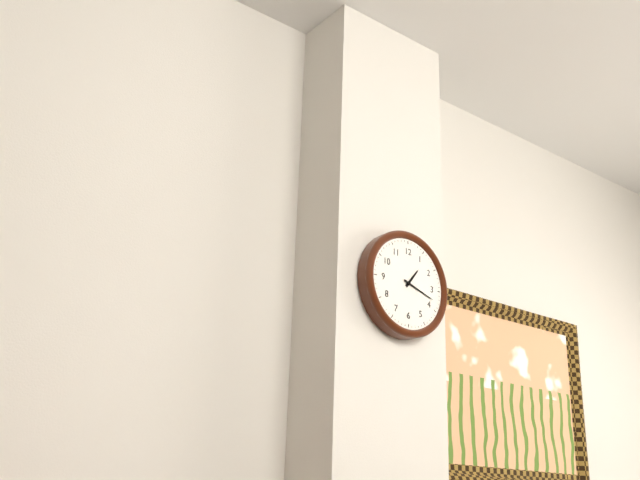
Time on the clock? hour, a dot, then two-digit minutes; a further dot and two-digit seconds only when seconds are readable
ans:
1.18
